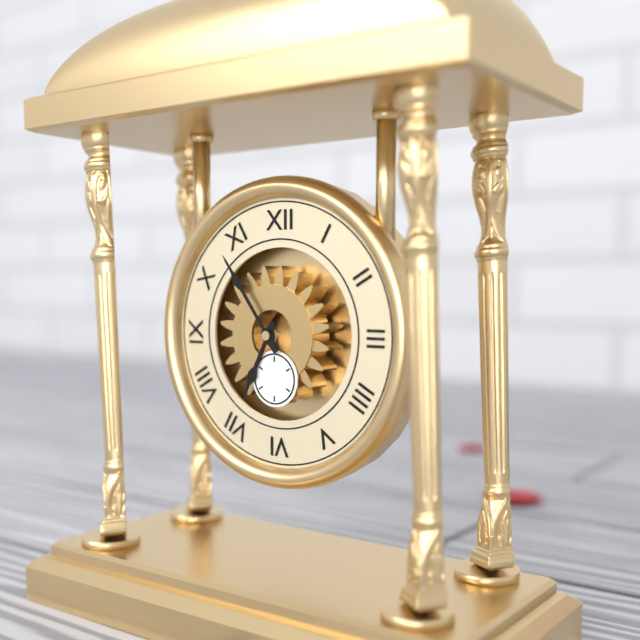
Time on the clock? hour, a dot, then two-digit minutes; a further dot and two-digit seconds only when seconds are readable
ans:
6.54
